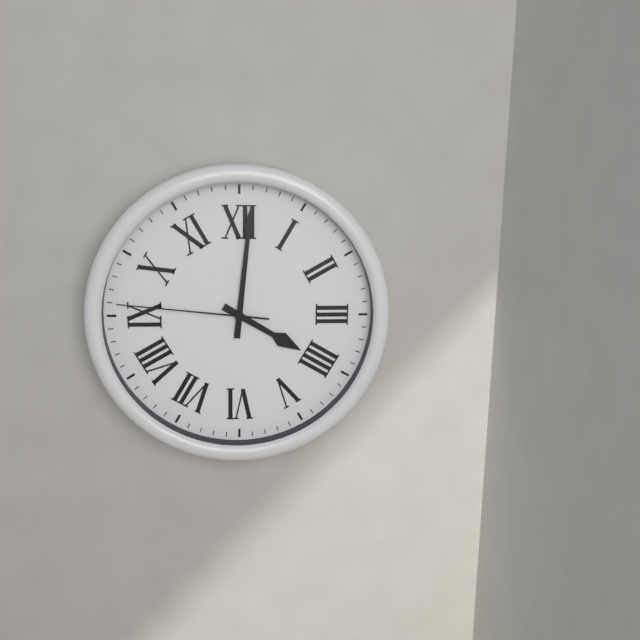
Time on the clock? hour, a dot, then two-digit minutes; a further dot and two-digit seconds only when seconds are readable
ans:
4.01.46
